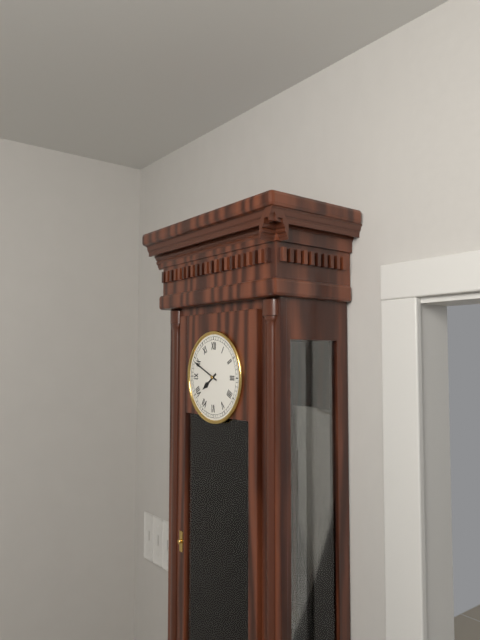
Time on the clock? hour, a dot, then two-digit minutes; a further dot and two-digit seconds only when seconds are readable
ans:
7.49
